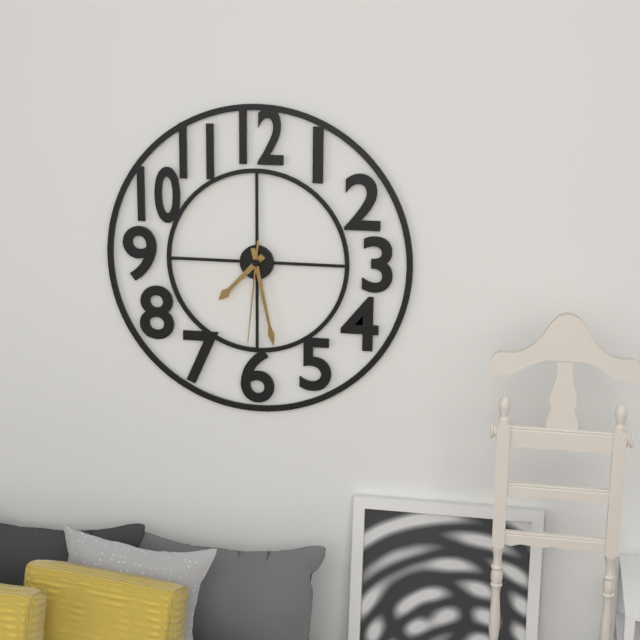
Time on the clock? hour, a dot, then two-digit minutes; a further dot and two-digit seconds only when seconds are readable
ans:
7.28.31
